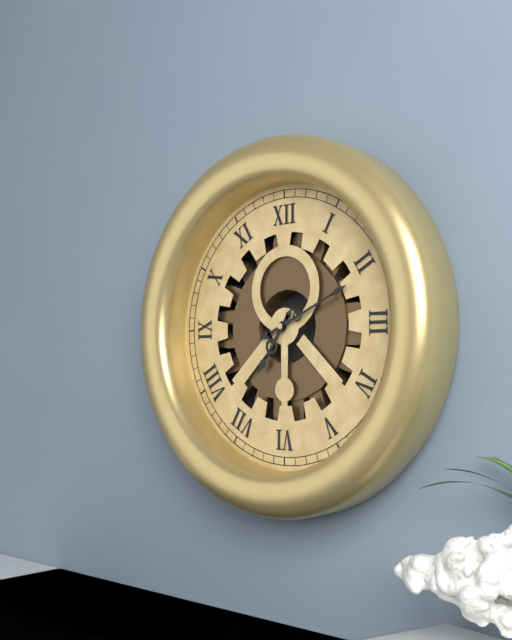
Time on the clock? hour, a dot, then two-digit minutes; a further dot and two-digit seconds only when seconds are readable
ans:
7.11
